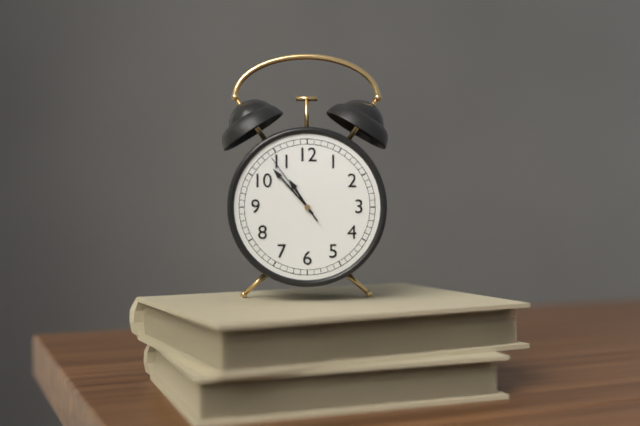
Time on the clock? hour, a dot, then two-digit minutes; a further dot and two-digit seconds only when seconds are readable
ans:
10.53.54
